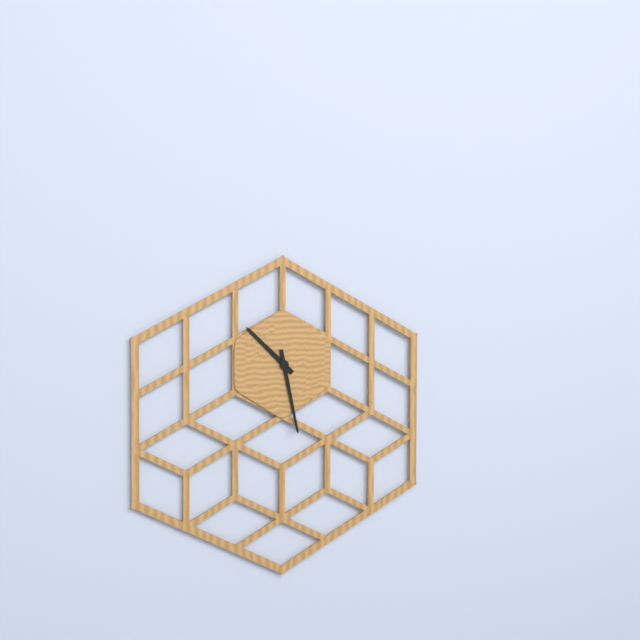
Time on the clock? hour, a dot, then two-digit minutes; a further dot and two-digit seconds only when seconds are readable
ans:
10.28
